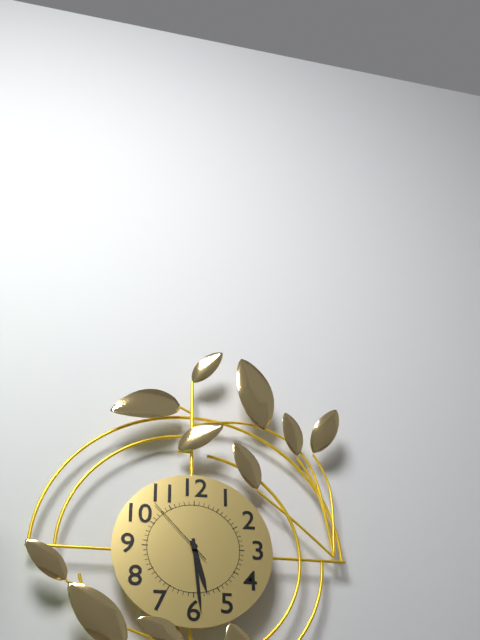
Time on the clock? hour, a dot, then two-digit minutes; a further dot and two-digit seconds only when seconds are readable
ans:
5.29.53
